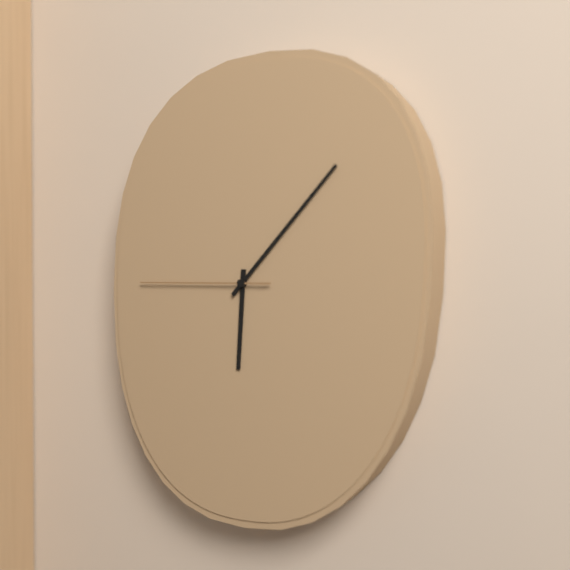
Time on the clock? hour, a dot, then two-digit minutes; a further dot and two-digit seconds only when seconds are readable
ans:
6.07.45
